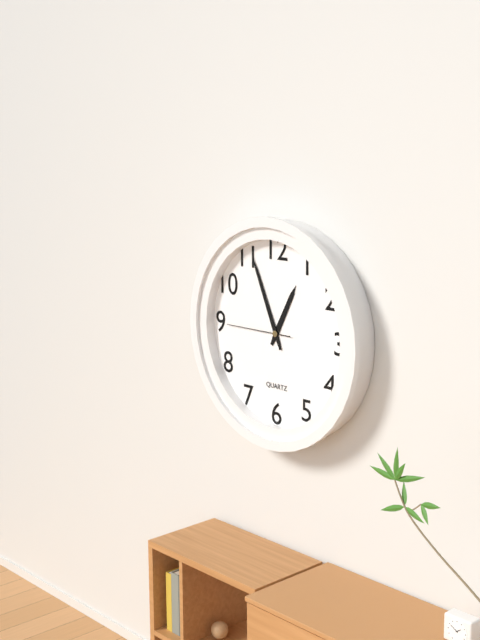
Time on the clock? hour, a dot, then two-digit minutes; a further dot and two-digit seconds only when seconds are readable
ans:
12.56.45
